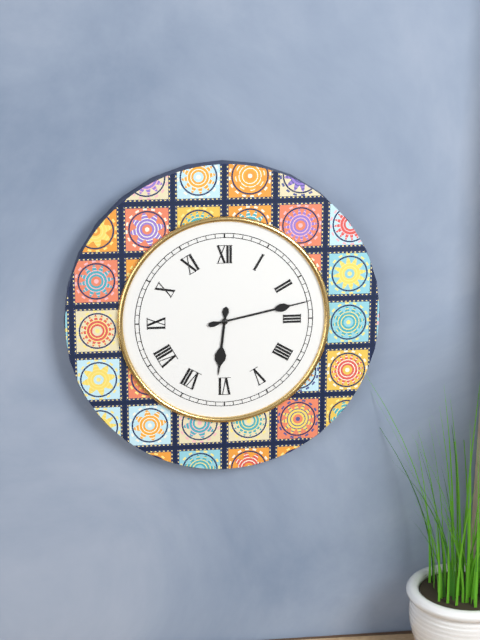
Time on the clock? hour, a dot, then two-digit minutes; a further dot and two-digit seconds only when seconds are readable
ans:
6.13
